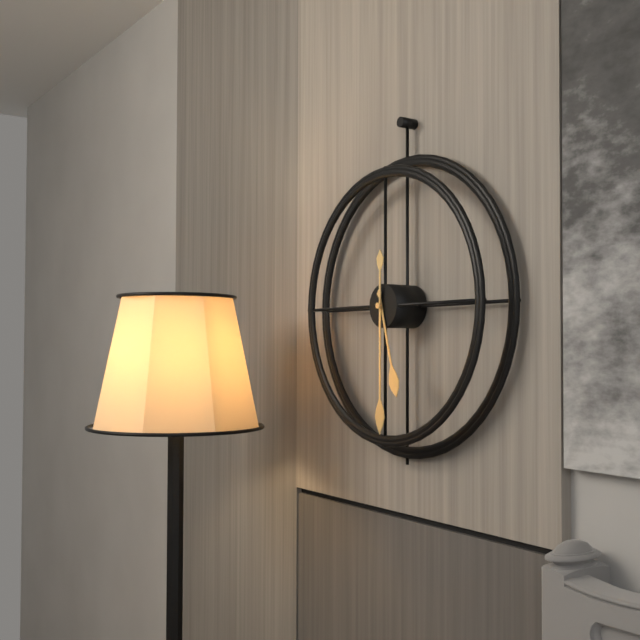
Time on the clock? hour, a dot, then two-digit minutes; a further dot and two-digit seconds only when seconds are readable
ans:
5.30
